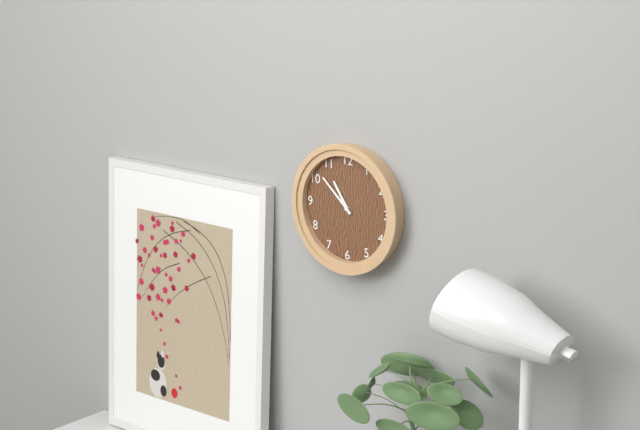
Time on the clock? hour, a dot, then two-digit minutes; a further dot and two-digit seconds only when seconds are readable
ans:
10.52
